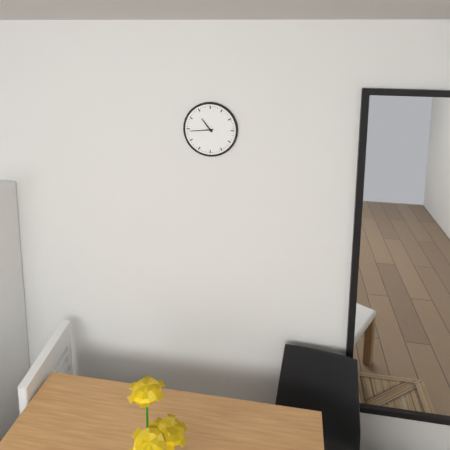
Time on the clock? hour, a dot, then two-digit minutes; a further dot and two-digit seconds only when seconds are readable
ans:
10.44
